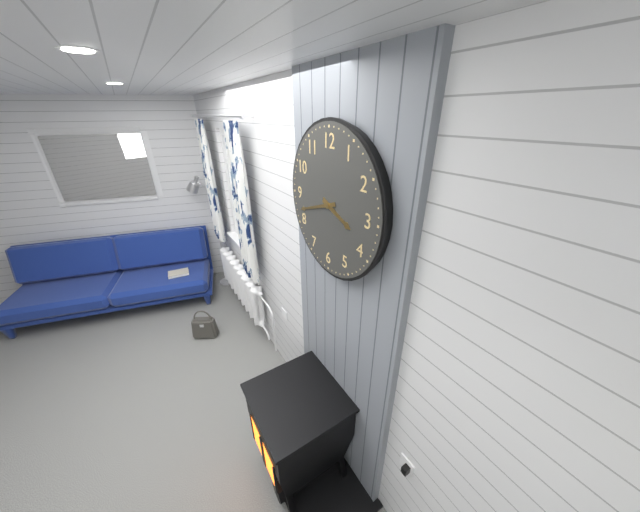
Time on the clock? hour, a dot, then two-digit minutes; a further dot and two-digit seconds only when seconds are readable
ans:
3.42
